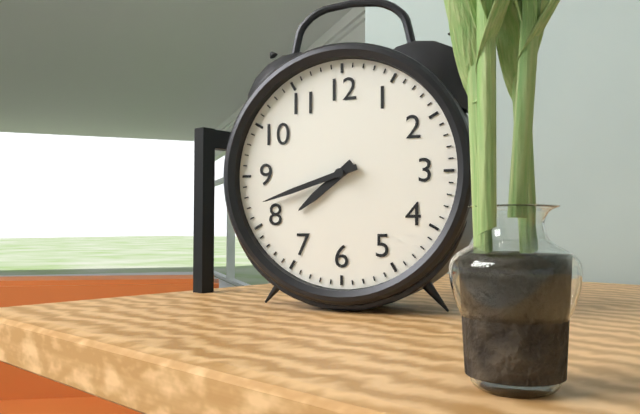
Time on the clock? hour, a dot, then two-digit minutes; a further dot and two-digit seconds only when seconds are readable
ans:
7.42
